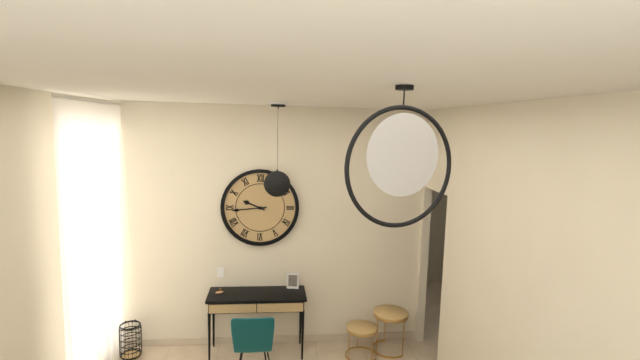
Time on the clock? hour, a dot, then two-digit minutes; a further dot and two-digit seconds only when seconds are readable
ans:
9.44
